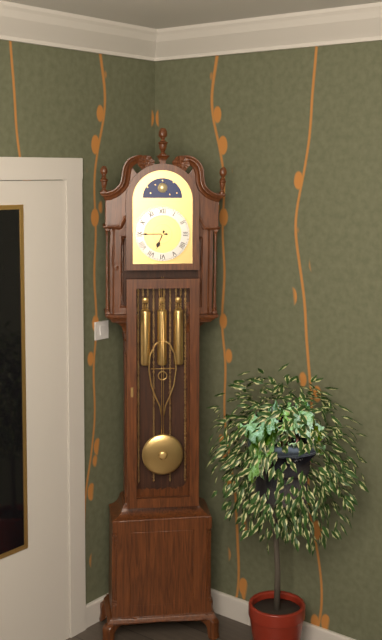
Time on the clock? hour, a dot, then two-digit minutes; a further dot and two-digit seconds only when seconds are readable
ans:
6.45
